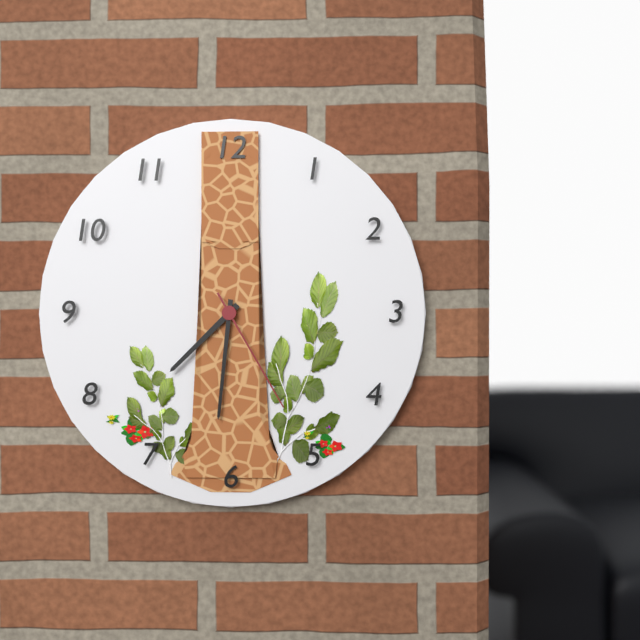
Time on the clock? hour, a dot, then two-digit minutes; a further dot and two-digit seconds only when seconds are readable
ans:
7.31.25
